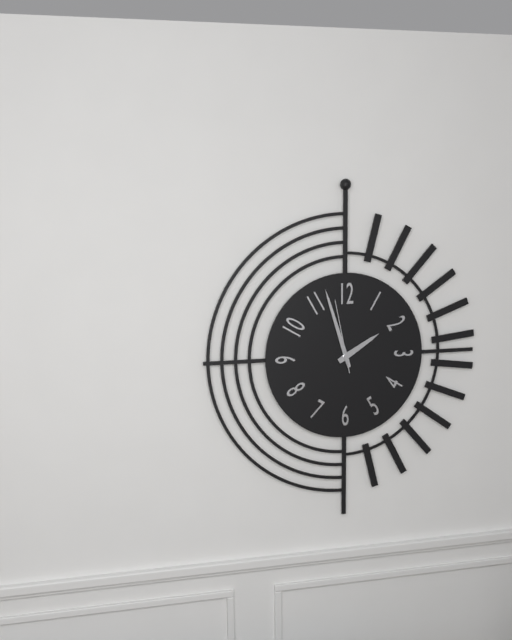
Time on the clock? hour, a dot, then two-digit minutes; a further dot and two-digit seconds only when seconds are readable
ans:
1.57.58
